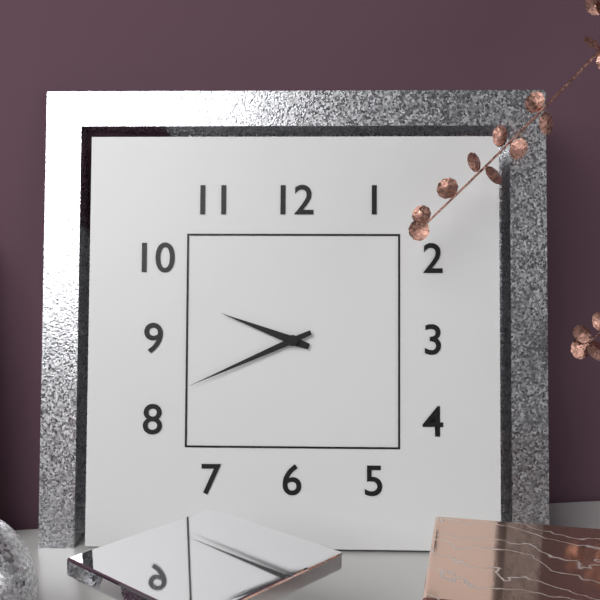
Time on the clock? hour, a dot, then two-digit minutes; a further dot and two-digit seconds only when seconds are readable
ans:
9.41
